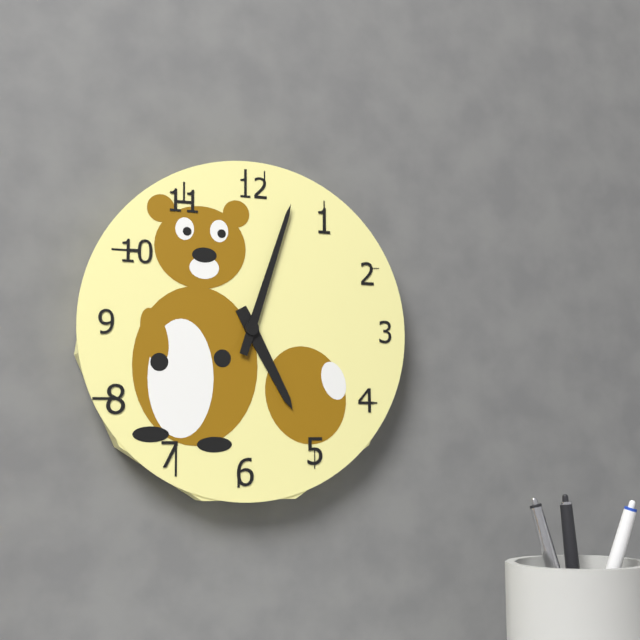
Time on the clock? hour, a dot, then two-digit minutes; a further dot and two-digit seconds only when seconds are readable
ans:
5.03
